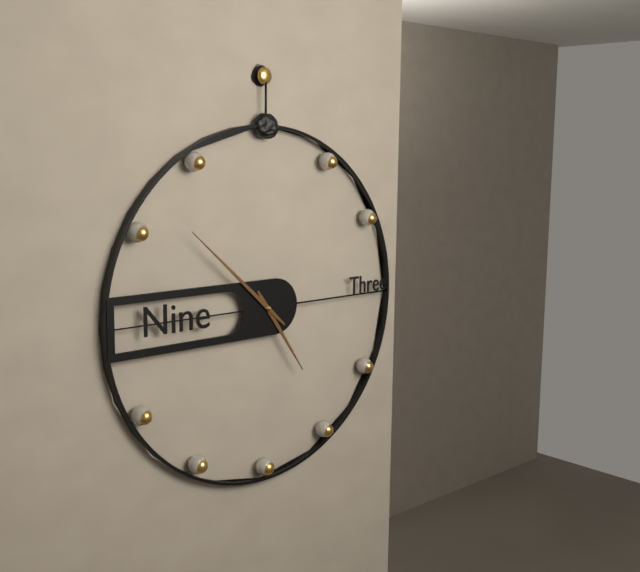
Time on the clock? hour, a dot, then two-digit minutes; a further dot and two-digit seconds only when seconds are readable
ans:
4.52
